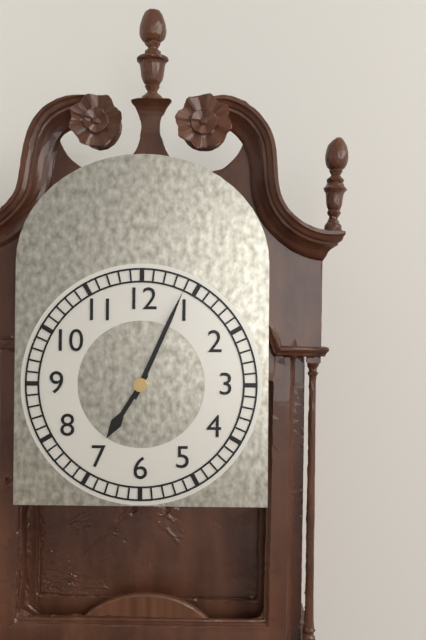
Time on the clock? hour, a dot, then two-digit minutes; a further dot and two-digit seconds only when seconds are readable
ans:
7.04
